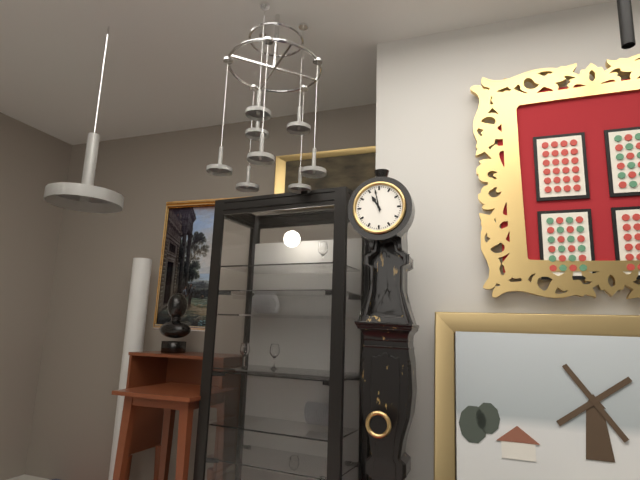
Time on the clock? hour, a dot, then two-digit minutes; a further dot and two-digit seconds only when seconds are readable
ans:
10.58
